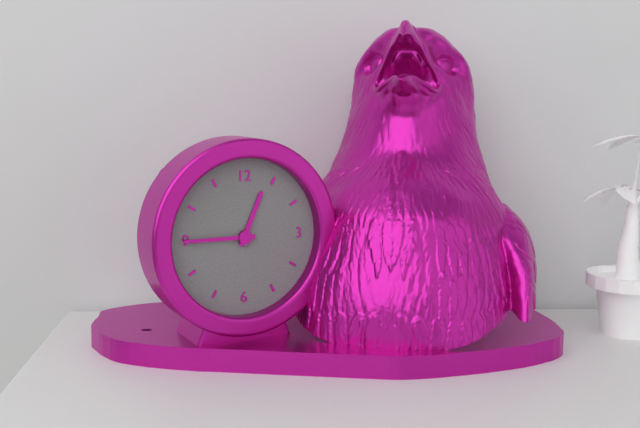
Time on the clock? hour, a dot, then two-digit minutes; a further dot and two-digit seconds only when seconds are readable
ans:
12.45
